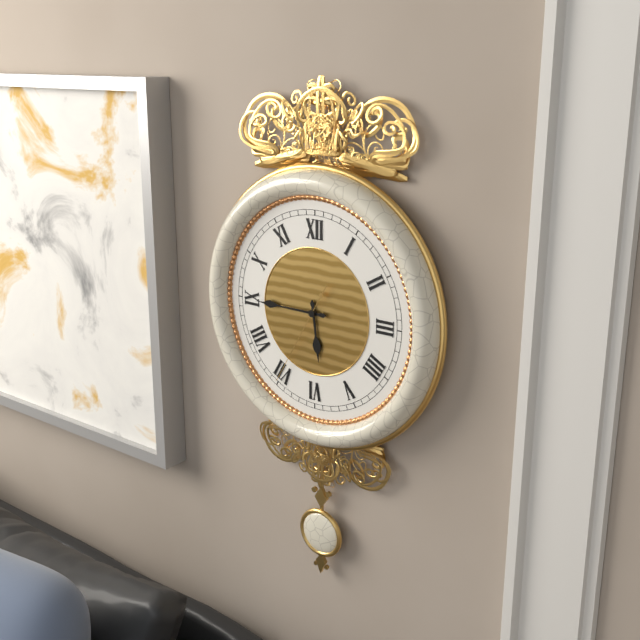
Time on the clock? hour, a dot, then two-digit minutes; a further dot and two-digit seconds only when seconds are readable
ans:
5.45.35
